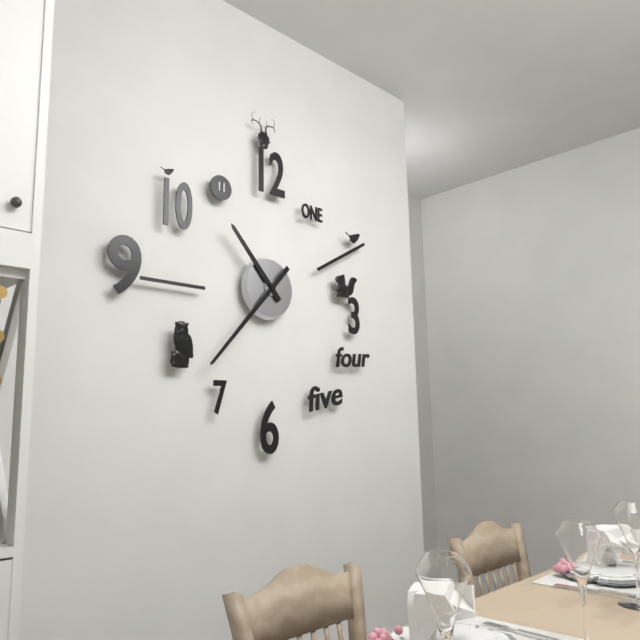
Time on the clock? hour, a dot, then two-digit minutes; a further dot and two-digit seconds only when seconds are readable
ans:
10.37
